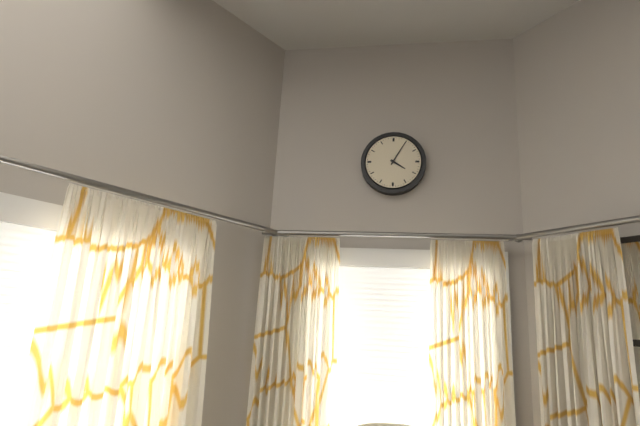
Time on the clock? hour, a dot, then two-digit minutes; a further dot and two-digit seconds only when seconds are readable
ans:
4.05
